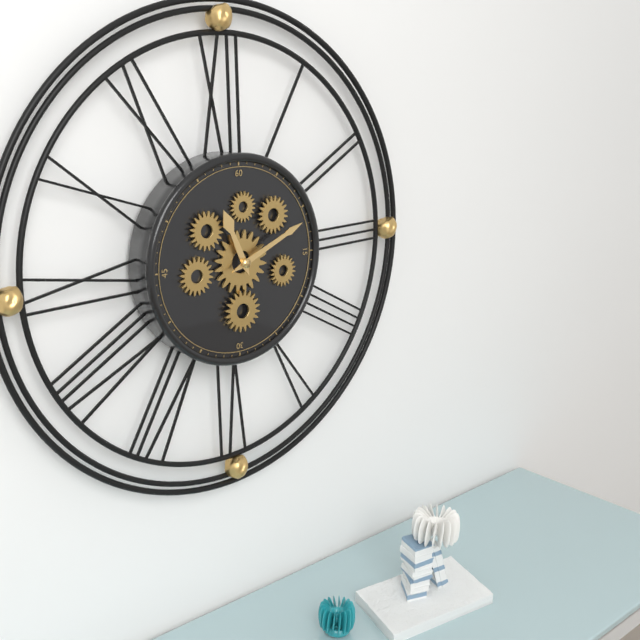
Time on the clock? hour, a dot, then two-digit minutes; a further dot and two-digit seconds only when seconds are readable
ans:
11.11
